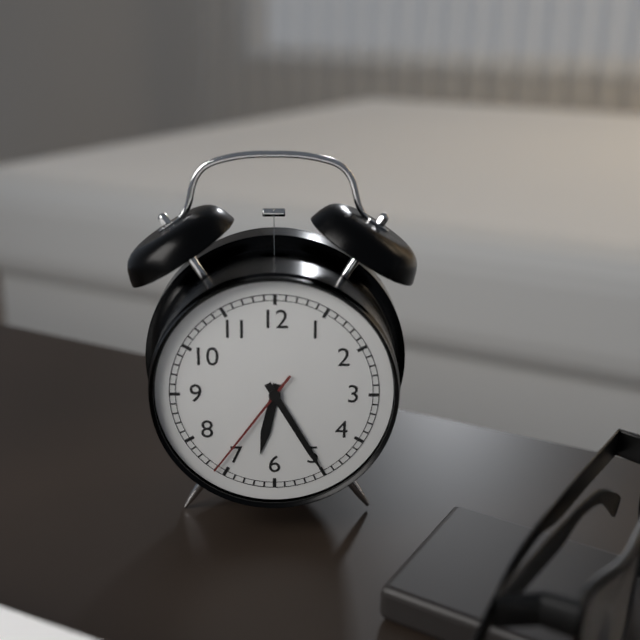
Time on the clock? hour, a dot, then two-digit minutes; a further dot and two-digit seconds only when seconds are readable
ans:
6.25.36
